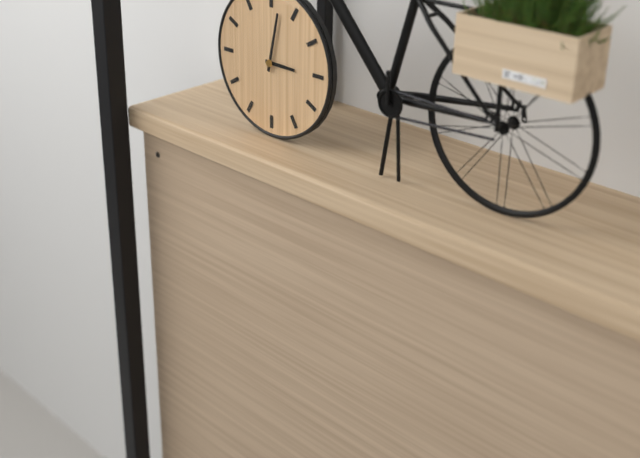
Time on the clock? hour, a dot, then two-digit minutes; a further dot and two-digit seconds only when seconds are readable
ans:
3.02
